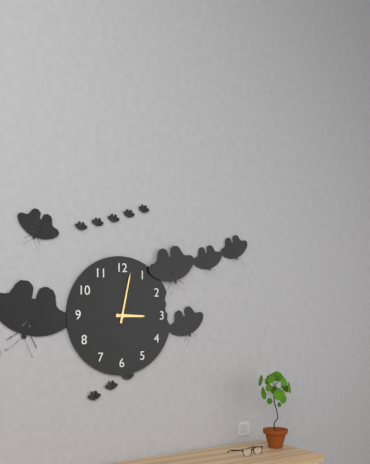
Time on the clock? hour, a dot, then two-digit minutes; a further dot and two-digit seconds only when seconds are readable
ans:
3.02
